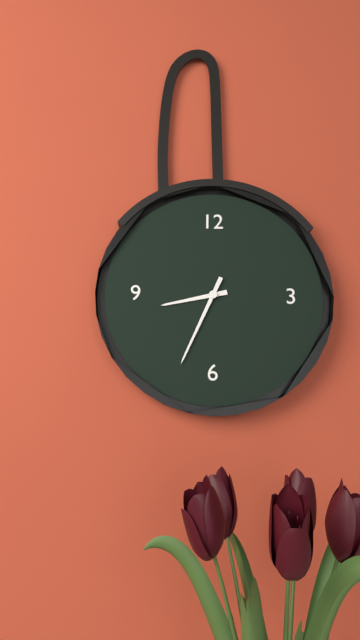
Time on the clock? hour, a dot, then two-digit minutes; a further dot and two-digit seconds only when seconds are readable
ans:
8.34
